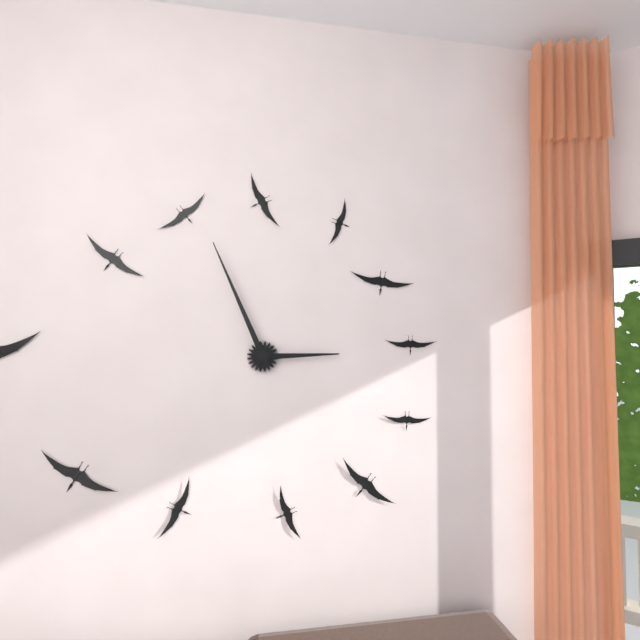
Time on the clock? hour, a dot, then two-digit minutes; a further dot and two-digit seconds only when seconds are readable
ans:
2.56
